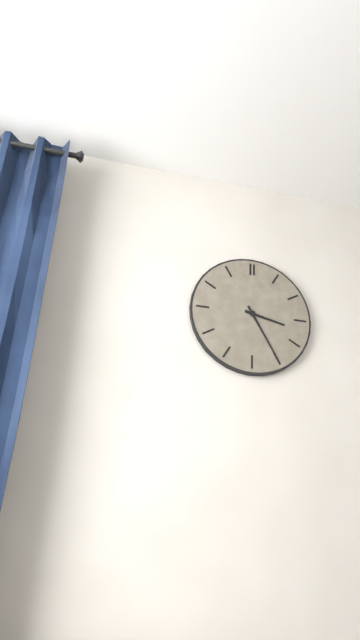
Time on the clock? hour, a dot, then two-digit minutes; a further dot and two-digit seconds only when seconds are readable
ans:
3.25
